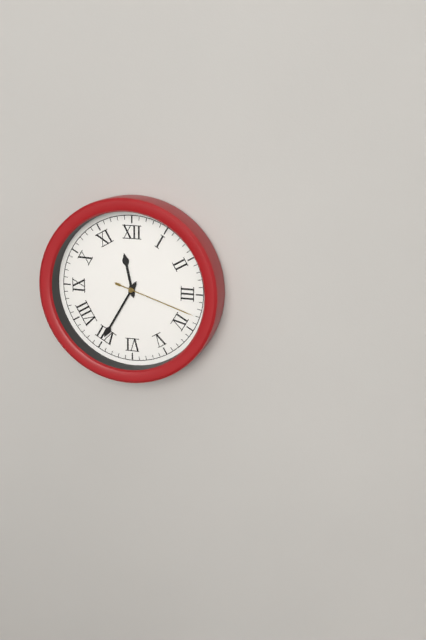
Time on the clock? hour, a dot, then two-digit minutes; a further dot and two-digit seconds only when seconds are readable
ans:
11.35.18
